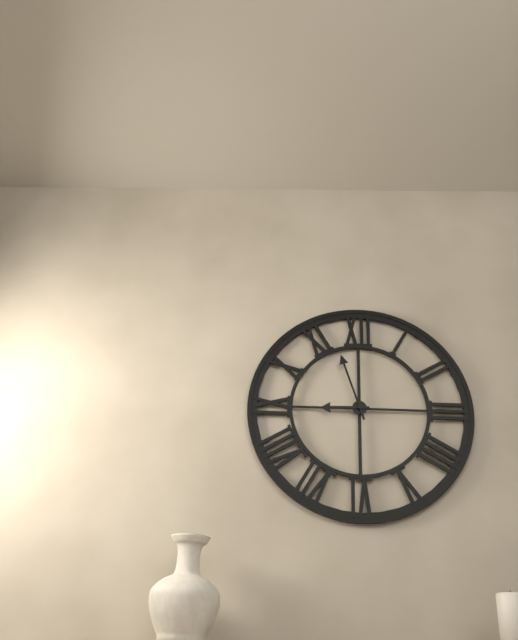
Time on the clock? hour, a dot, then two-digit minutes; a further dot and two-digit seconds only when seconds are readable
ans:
8.57
